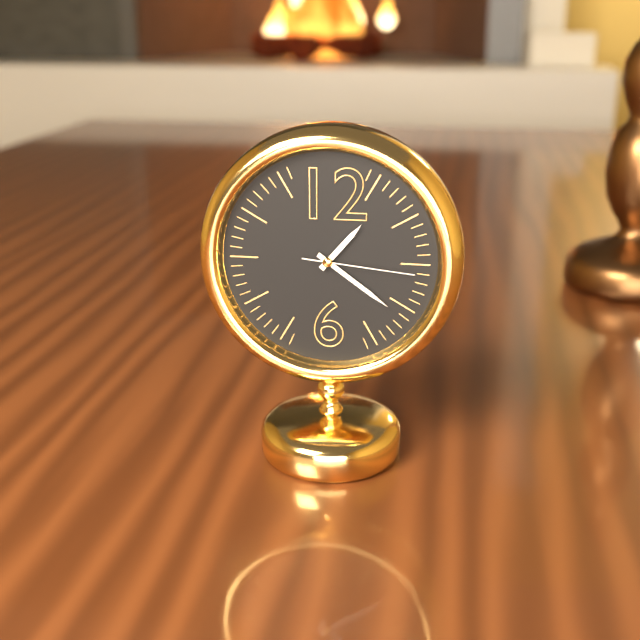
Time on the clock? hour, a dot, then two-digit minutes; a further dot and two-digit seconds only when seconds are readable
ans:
1.21.16
